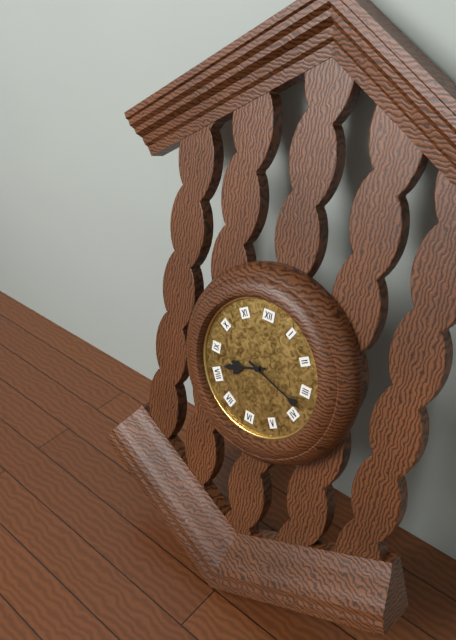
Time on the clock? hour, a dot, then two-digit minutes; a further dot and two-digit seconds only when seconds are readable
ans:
8.18
